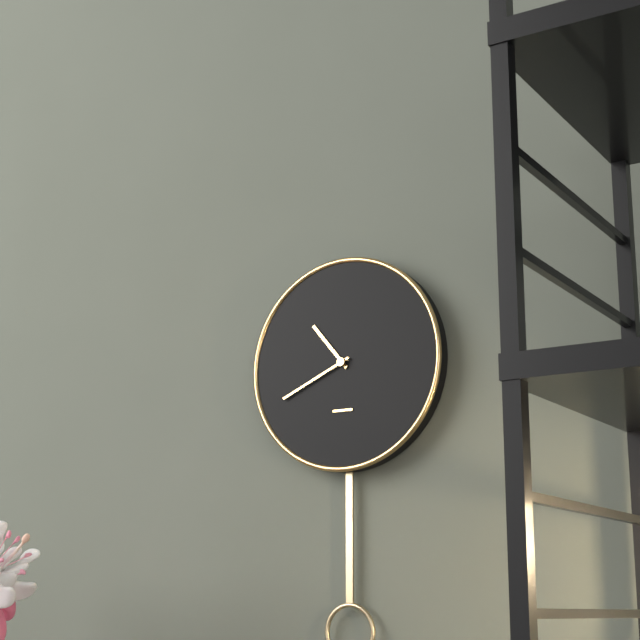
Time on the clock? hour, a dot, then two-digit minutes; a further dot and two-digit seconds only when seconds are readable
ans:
10.41
